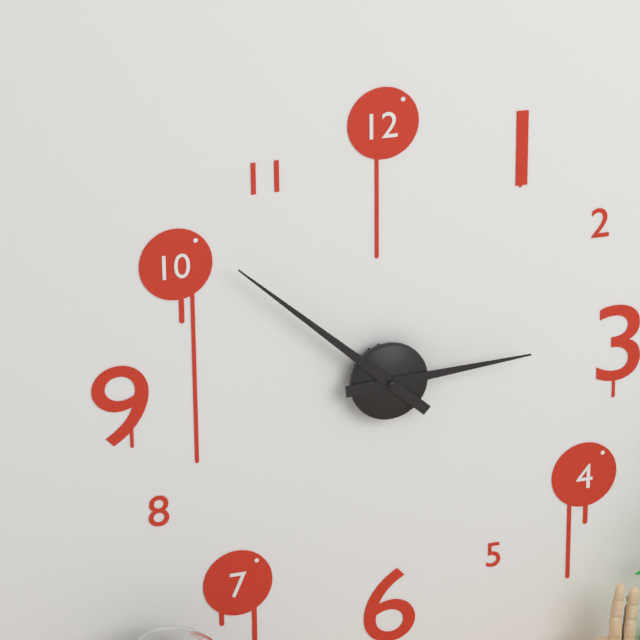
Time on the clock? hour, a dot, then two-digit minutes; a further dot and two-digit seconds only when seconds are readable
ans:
2.52
